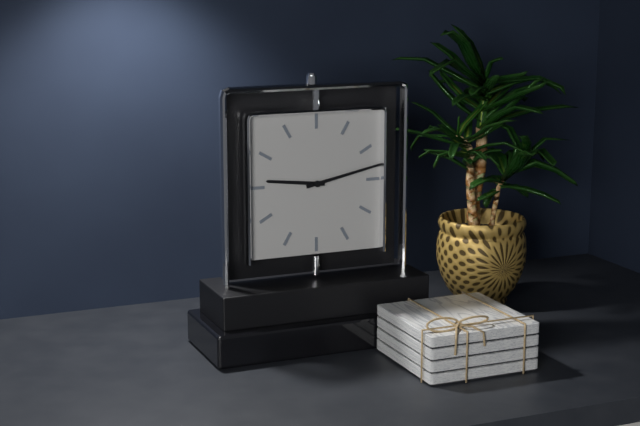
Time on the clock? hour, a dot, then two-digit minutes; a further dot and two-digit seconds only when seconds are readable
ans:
9.13
